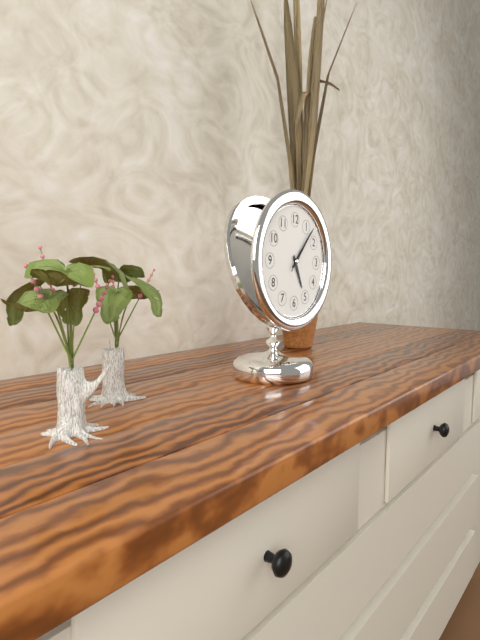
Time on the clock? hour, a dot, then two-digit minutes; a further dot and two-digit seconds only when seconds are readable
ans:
5.07
